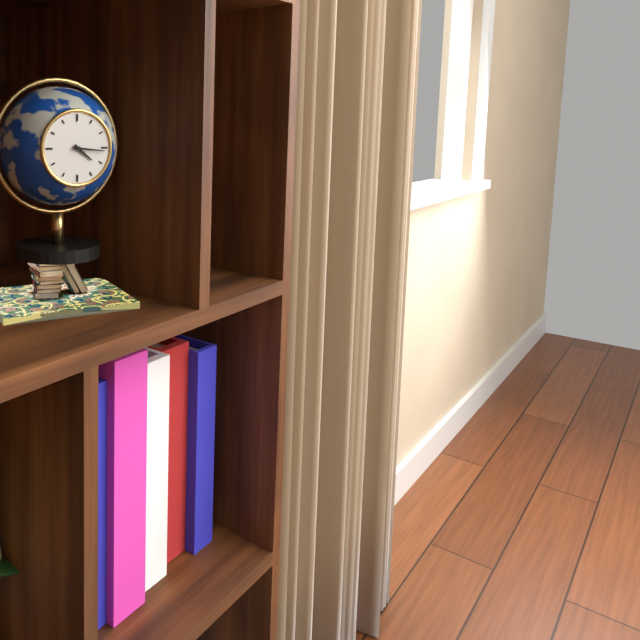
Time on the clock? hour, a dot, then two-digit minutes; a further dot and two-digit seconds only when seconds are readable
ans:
4.16
